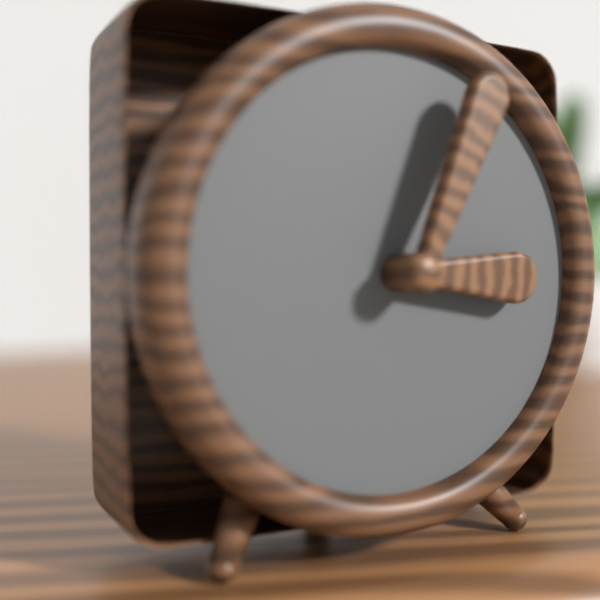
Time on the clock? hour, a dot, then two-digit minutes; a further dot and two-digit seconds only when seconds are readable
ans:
3.04
